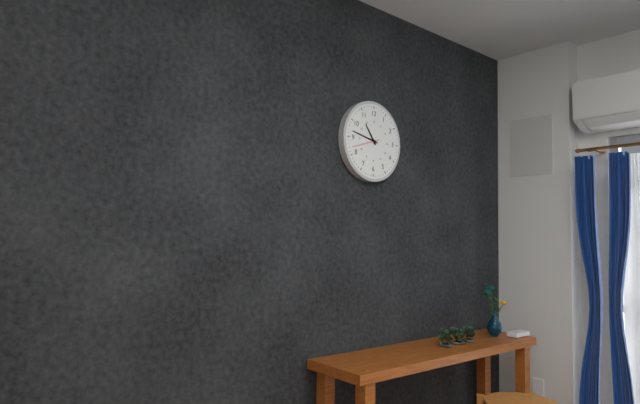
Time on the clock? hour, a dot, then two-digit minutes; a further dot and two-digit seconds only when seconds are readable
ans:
10.47
